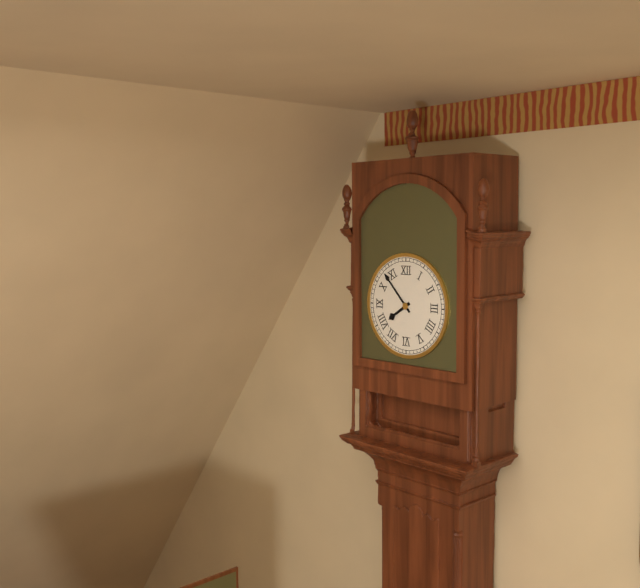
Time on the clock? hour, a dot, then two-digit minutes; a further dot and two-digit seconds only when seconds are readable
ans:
7.53
